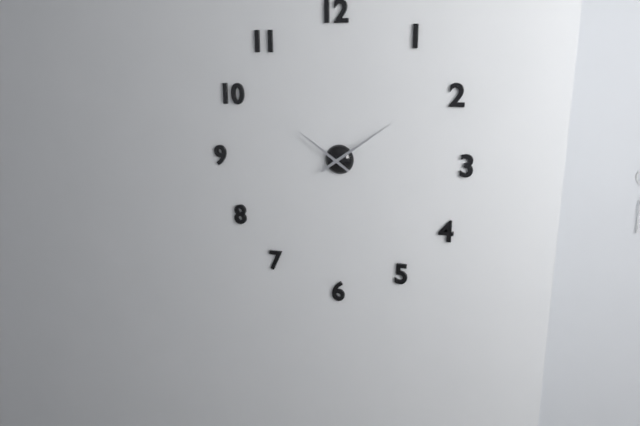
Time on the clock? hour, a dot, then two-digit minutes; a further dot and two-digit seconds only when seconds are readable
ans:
10.09
